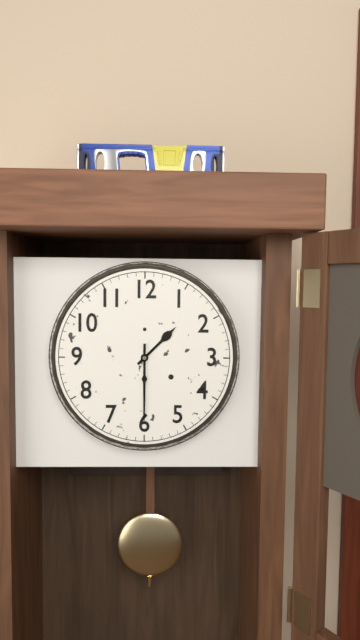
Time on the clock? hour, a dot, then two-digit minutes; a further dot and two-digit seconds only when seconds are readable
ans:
1.30
